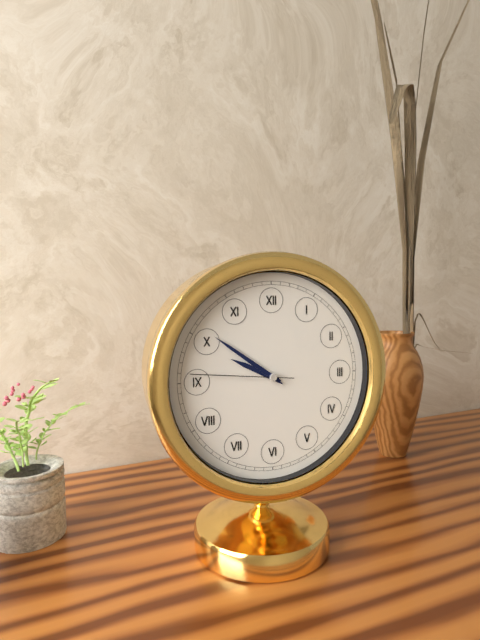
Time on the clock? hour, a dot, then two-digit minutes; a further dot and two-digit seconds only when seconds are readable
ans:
9.51.46
